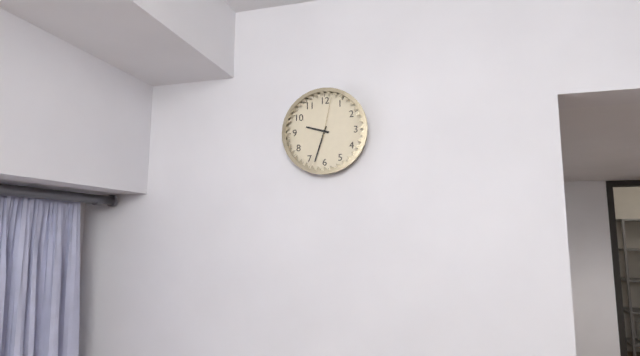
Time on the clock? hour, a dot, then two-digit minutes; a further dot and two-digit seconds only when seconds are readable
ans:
9.33
